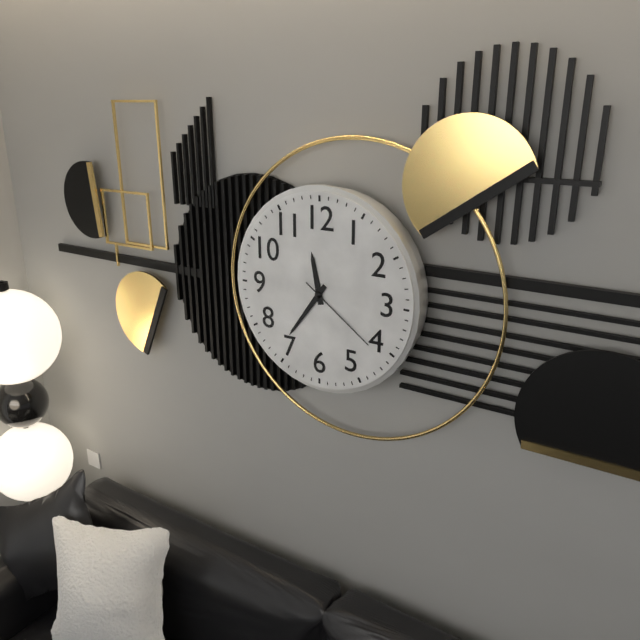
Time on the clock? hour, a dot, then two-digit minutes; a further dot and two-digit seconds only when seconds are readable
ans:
11.36.21
